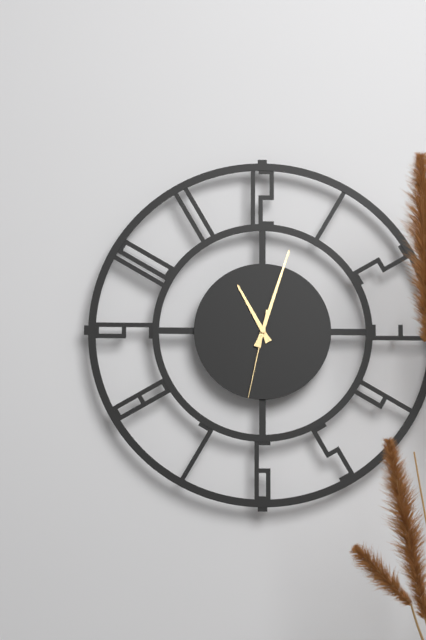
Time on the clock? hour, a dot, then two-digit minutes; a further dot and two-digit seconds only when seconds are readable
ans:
11.03.32
